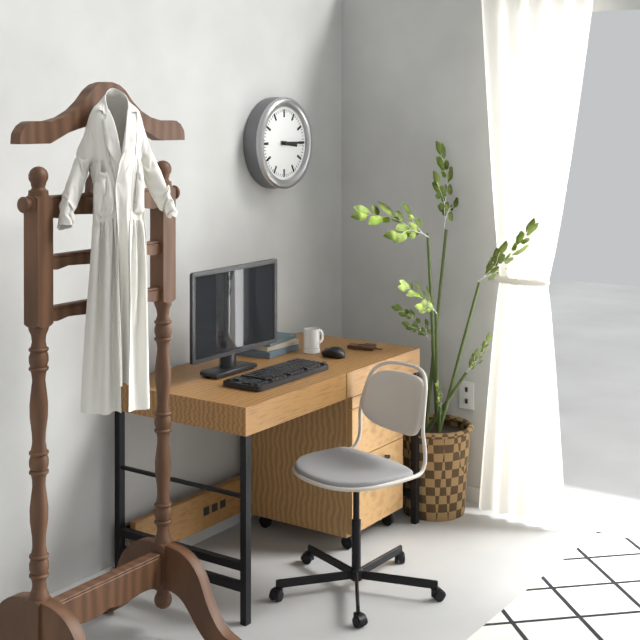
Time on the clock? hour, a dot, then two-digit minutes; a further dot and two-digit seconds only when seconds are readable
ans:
3.15
